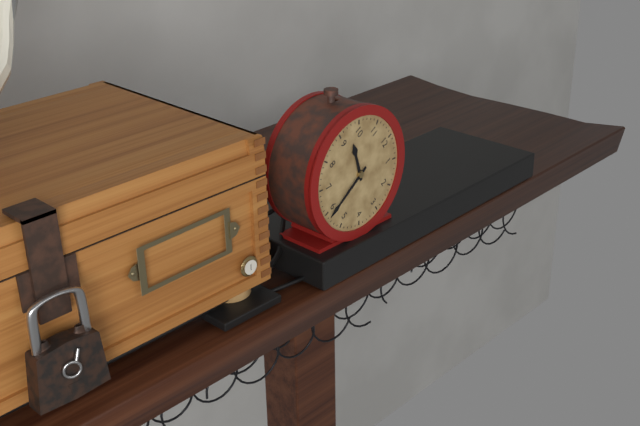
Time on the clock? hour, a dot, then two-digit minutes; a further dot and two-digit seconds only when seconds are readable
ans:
9.29
